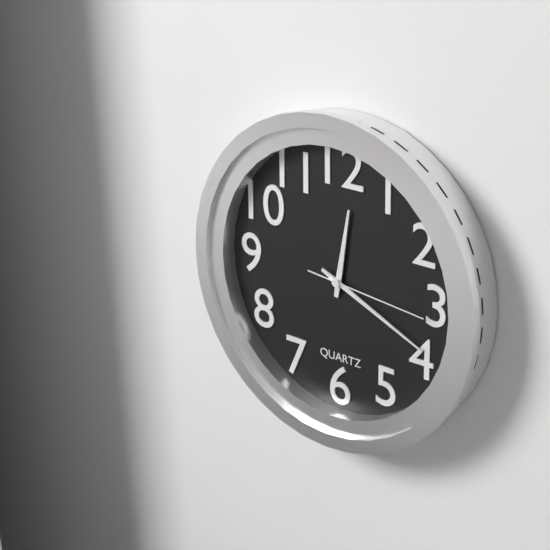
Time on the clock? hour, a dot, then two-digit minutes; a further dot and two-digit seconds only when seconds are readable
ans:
12.19.16
